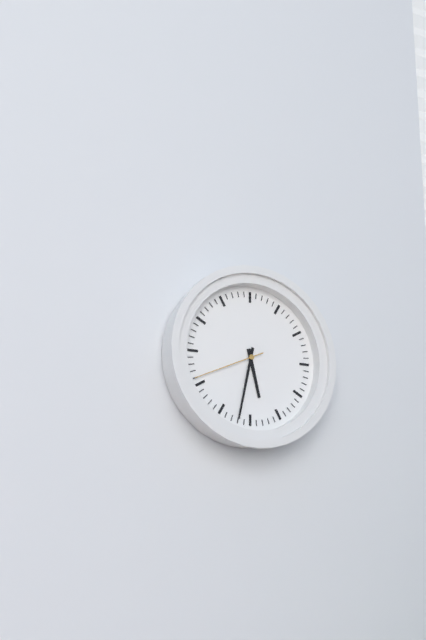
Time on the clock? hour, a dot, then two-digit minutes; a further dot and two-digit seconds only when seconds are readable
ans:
5.32.41
